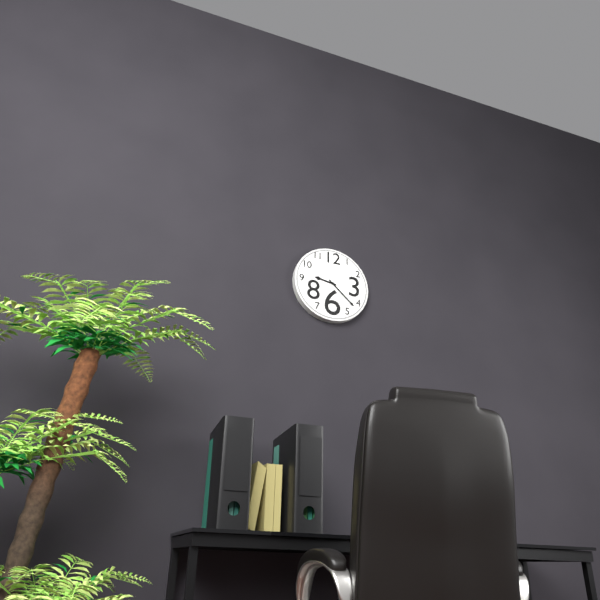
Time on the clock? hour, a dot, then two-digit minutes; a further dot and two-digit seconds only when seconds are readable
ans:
9.22
